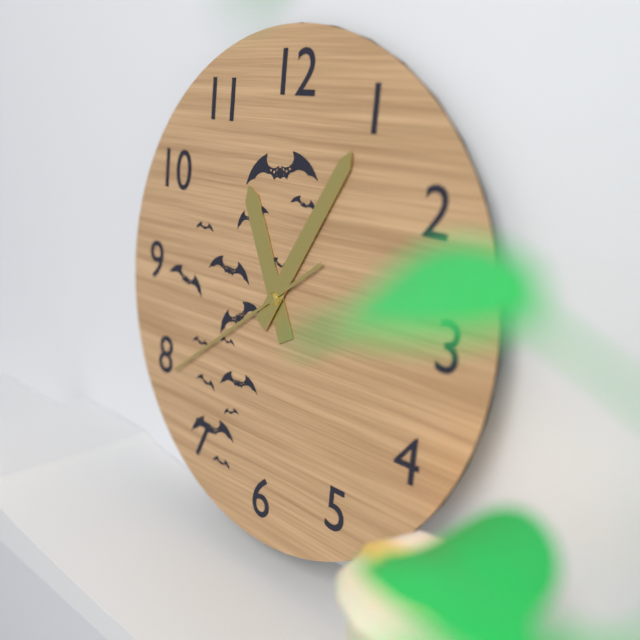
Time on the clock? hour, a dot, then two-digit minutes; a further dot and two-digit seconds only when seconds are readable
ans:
11.05.39
